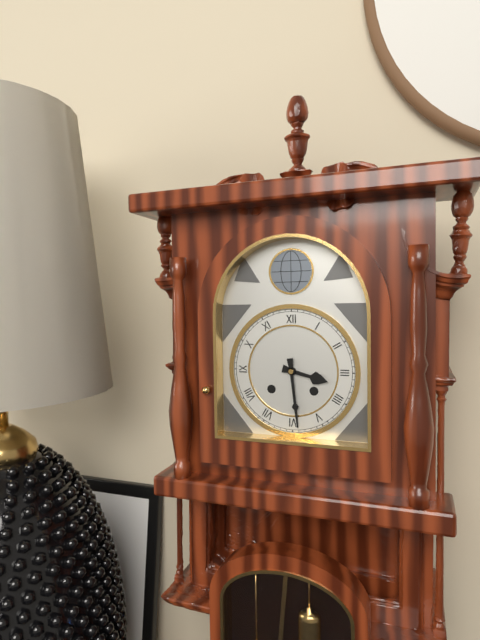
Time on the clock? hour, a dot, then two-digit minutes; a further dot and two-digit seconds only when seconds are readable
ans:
3.29
